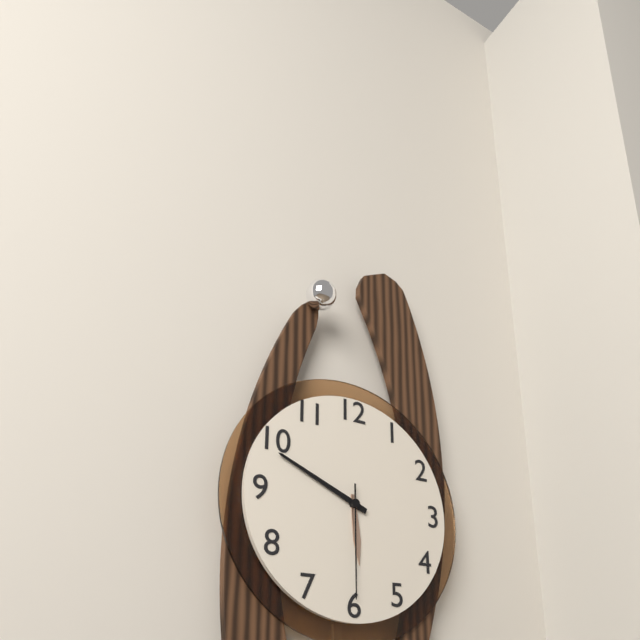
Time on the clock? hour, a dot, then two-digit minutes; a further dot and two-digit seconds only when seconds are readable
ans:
5.49.30
